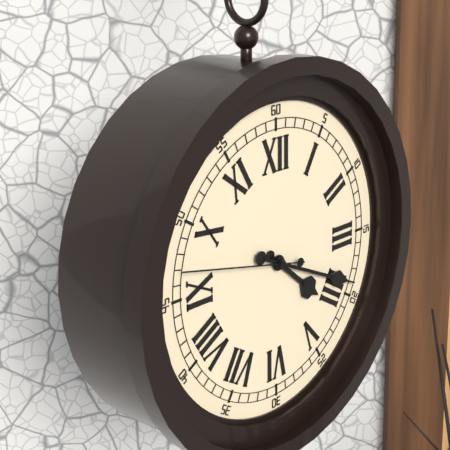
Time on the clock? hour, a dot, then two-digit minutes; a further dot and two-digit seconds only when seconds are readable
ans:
4.19.47
